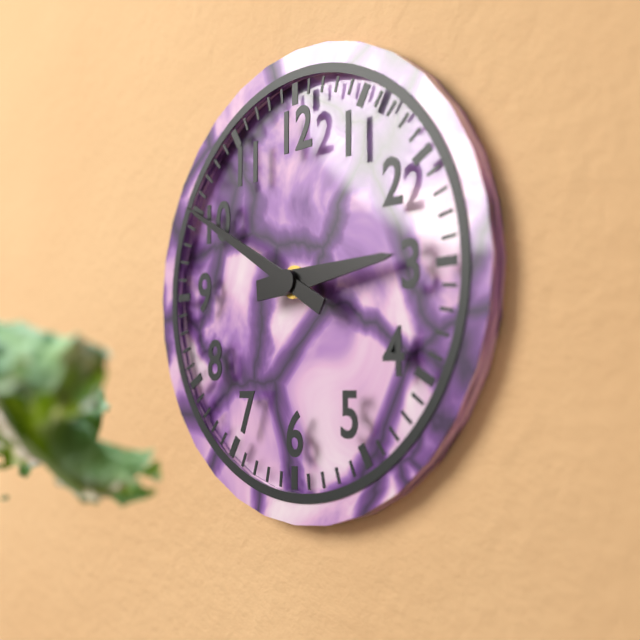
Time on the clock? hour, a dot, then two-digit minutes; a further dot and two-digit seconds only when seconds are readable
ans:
2.50
